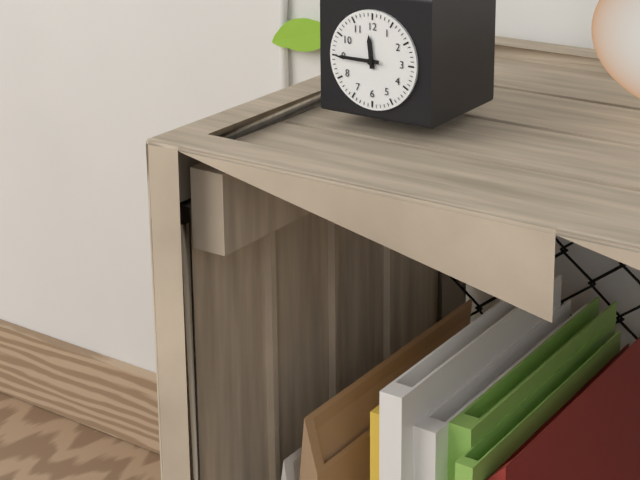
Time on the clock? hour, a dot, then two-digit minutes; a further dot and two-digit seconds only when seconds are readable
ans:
11.45
